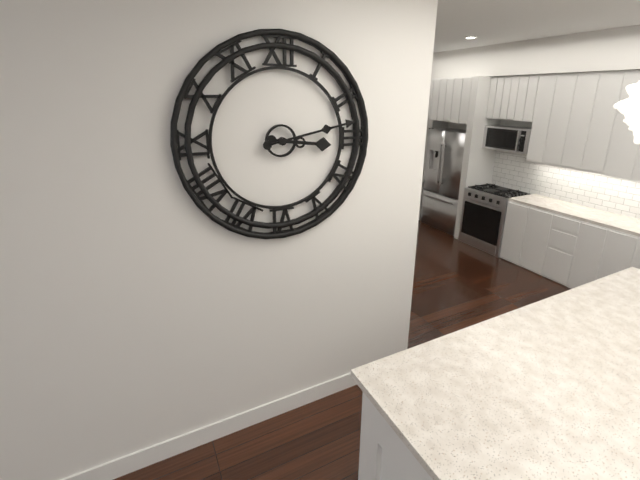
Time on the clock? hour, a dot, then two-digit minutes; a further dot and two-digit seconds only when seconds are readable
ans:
3.13
